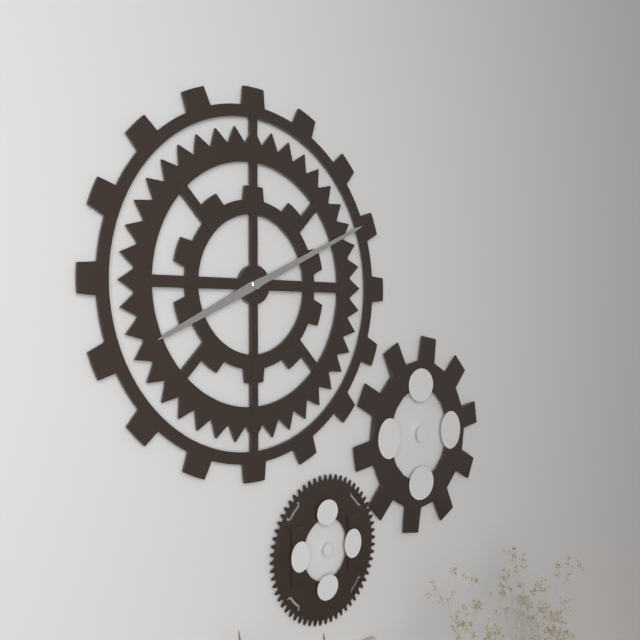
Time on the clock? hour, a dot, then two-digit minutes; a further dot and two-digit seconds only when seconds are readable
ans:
8.11
